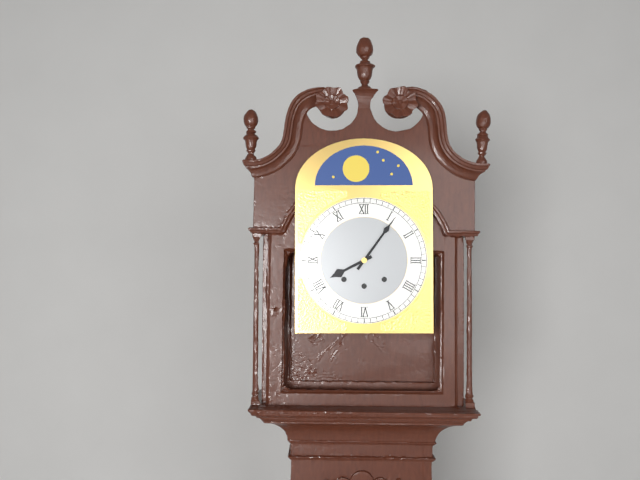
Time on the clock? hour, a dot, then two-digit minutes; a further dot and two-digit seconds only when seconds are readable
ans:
8.06
